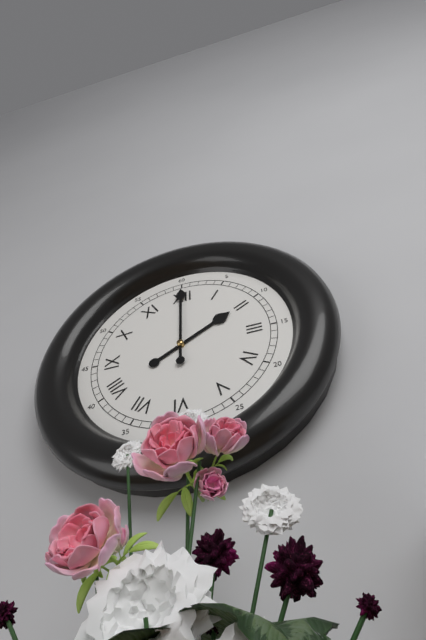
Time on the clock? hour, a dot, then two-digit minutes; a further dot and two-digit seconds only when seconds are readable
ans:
2.00
